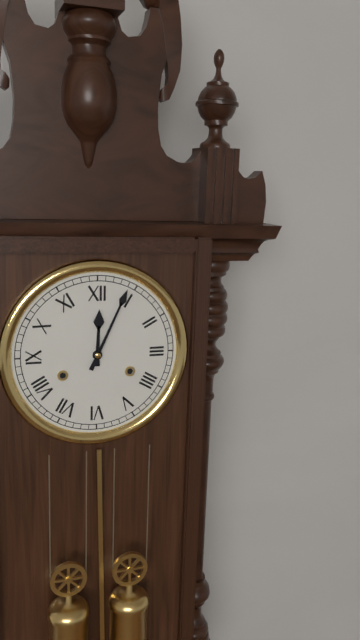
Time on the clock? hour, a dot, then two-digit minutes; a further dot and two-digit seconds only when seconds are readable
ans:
12.04
